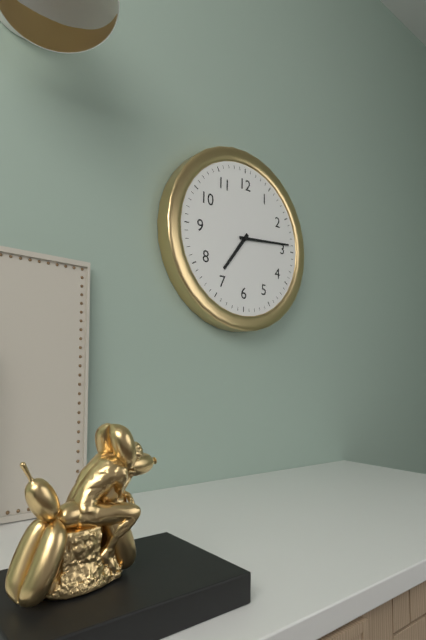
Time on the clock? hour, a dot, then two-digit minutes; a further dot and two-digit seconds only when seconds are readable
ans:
7.14
